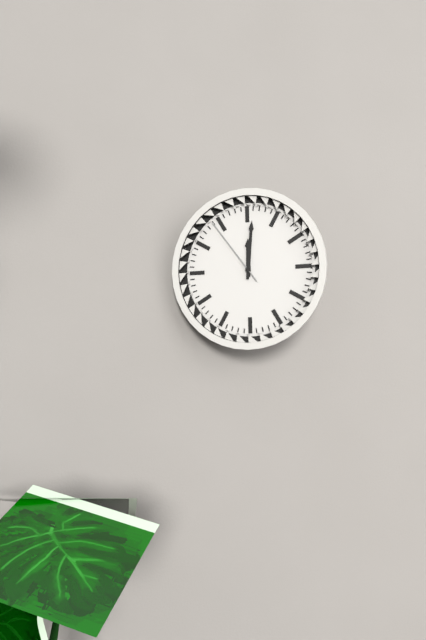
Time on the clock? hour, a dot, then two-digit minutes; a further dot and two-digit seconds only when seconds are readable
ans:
12.01.54
